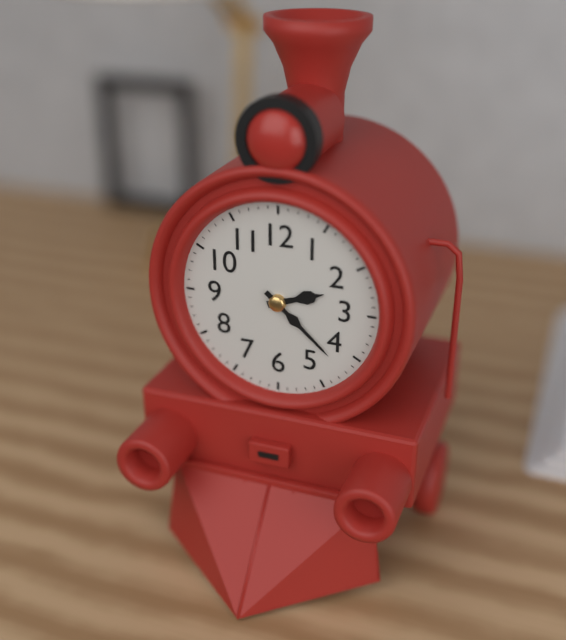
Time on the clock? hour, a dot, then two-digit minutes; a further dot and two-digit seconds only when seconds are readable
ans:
2.22
